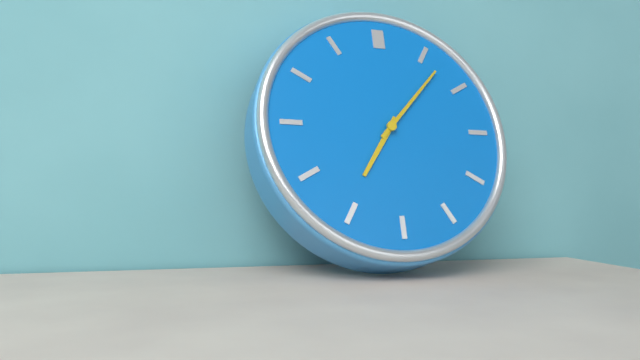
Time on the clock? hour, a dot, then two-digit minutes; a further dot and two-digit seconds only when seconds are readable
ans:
7.07
